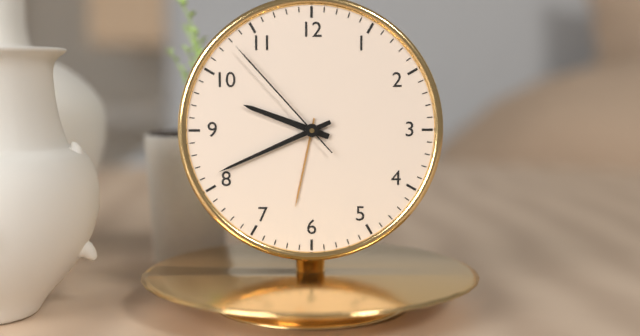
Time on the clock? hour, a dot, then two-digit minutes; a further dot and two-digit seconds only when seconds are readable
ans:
9.41.53
